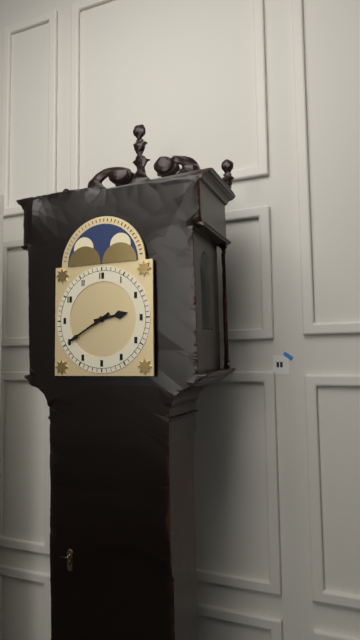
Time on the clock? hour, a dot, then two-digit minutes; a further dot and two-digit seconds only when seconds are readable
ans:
2.40
